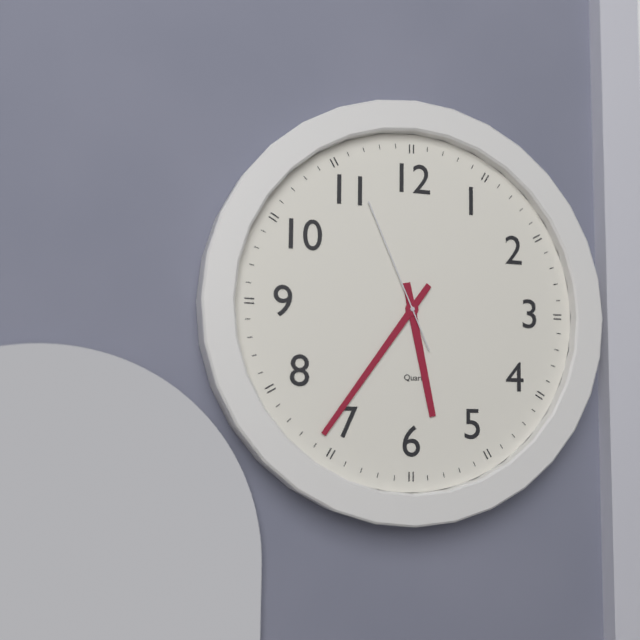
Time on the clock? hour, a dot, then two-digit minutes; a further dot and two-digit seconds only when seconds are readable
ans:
5.36.56
